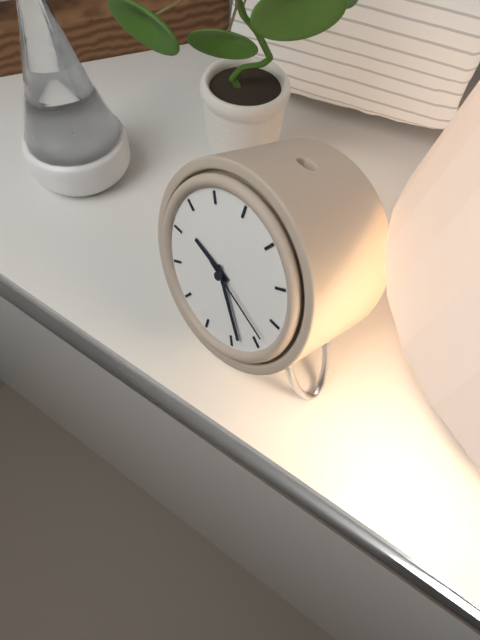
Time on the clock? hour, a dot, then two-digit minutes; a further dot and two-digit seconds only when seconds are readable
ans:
9.23.18
